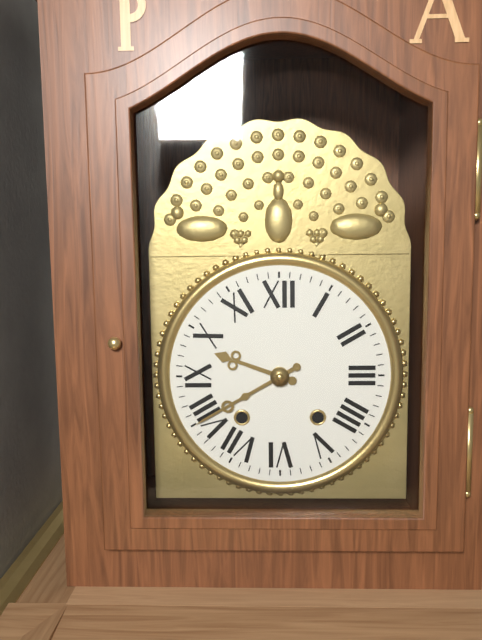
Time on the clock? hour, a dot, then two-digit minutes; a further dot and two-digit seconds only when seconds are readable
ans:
9.40
